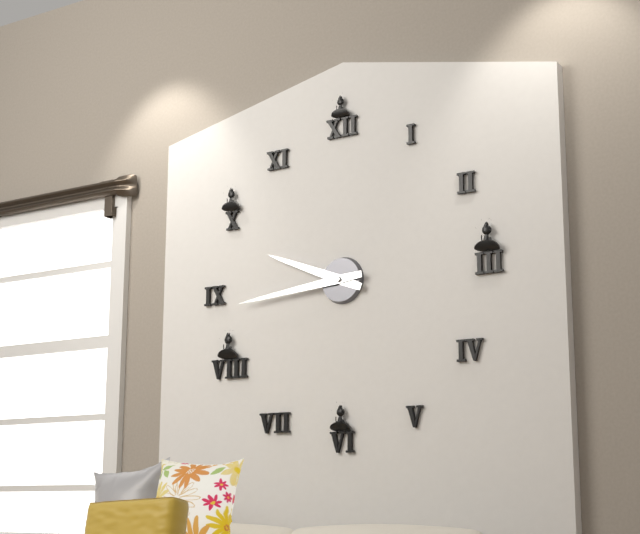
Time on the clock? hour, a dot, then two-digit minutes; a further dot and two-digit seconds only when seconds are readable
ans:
9.44
